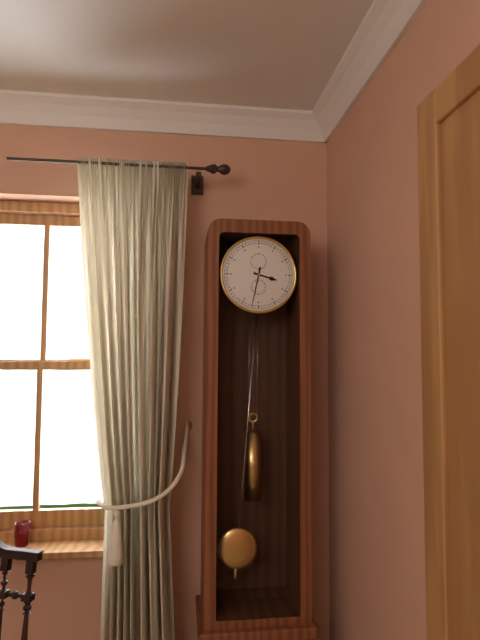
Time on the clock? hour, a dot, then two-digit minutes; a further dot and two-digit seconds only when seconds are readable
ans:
3.32
